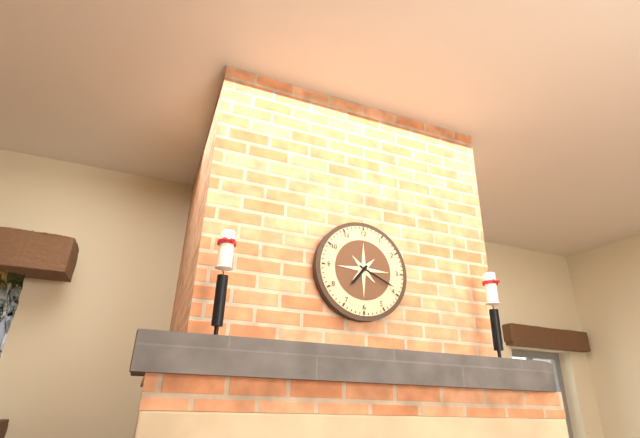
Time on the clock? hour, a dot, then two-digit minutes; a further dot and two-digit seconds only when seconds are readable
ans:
7.19
